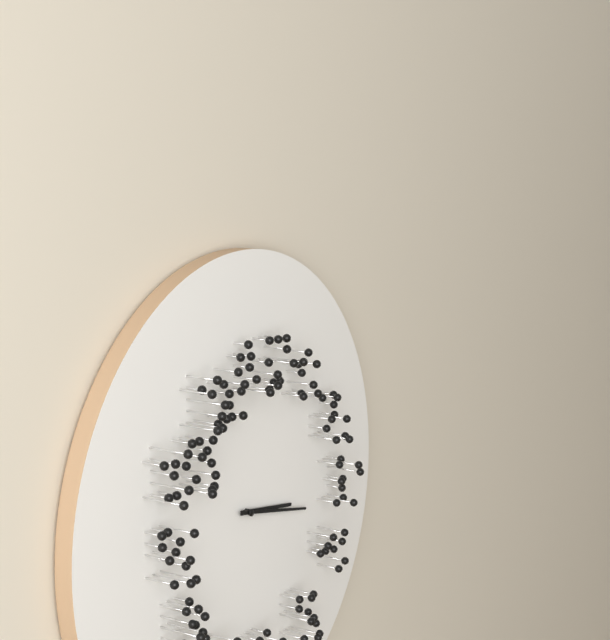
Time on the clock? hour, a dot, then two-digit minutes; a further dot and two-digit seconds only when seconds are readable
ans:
3.17
